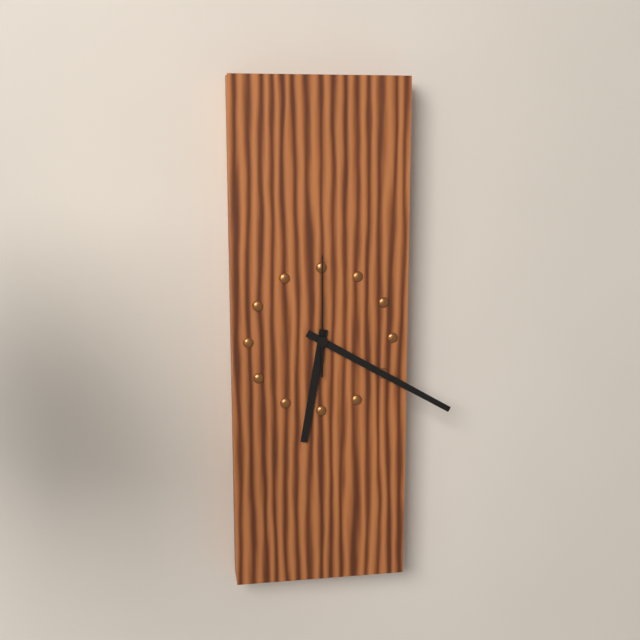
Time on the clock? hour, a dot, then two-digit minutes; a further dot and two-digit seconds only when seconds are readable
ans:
6.20.00
